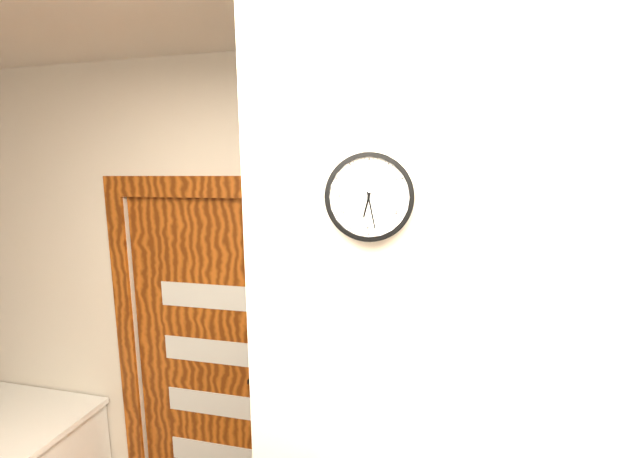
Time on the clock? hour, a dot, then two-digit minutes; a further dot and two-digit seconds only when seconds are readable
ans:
6.28
